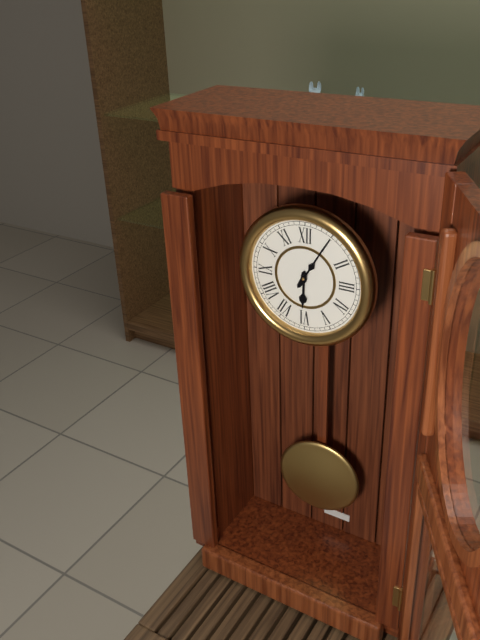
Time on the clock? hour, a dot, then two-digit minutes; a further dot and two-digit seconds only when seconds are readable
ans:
6.05
